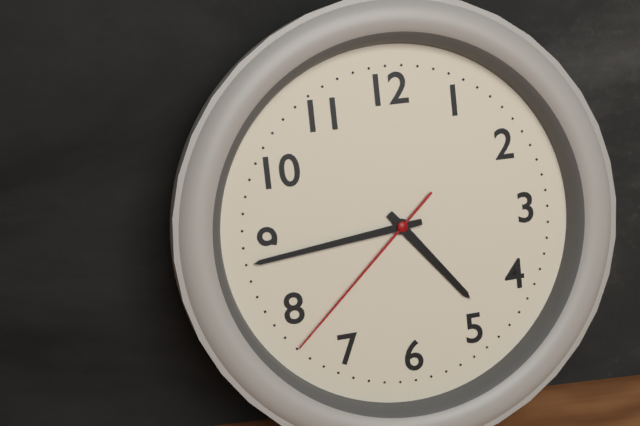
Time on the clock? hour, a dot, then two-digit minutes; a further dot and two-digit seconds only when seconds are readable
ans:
4.44.38
